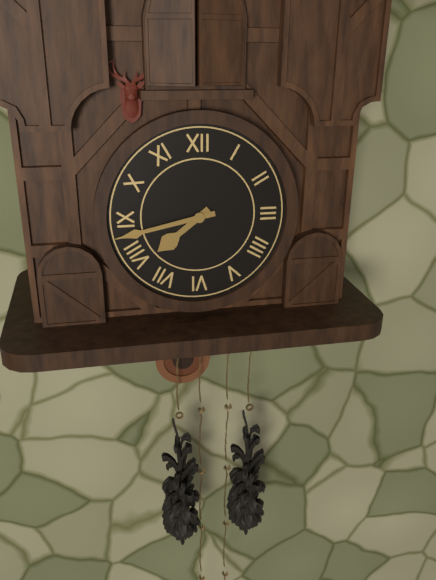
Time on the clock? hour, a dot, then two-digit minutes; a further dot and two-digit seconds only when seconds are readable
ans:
7.43
